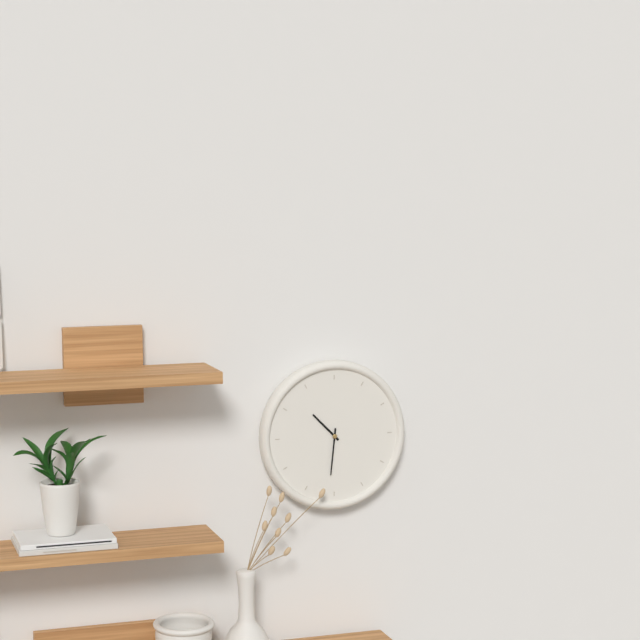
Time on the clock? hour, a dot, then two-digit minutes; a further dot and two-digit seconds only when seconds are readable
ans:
10.31
